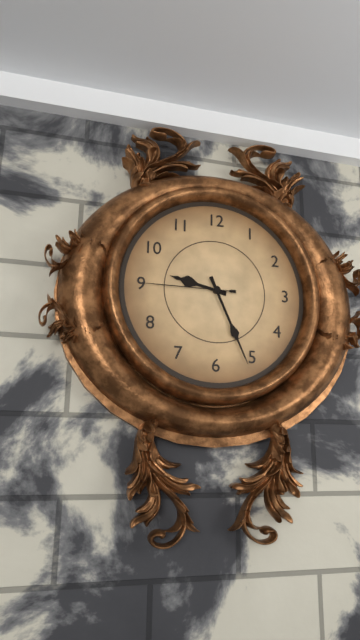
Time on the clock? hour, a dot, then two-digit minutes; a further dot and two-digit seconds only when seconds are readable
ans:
9.26.45
